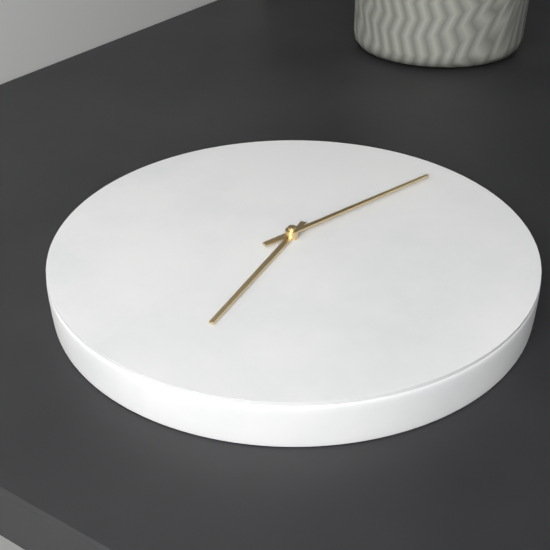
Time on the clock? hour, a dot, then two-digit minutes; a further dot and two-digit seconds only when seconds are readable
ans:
7.10
